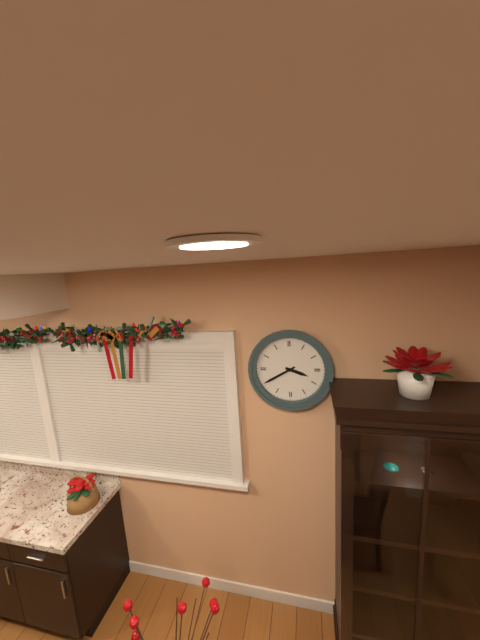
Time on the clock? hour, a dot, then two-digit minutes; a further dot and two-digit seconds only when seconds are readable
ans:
3.40
